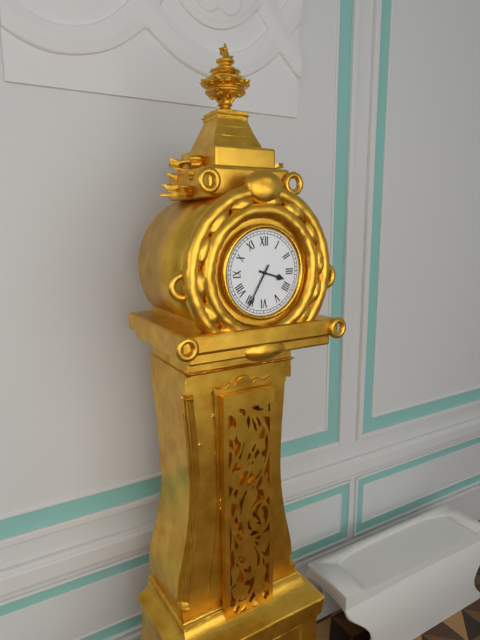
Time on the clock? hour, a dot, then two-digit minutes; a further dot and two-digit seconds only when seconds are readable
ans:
3.35
